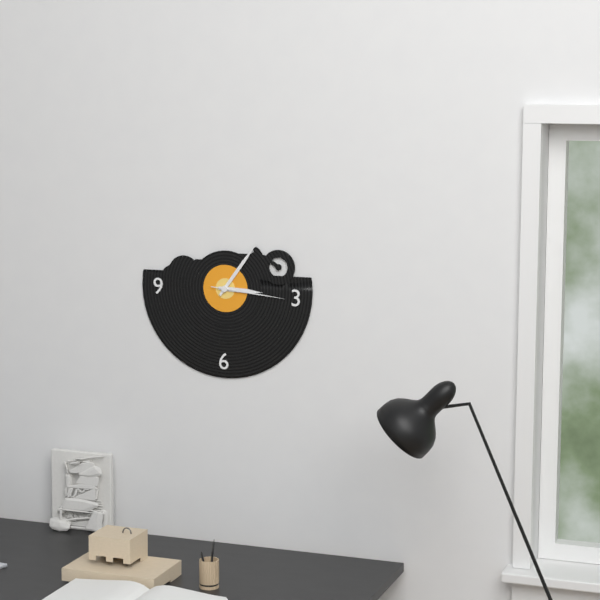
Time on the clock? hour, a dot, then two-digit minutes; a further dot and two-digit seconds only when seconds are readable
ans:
3.06.16
